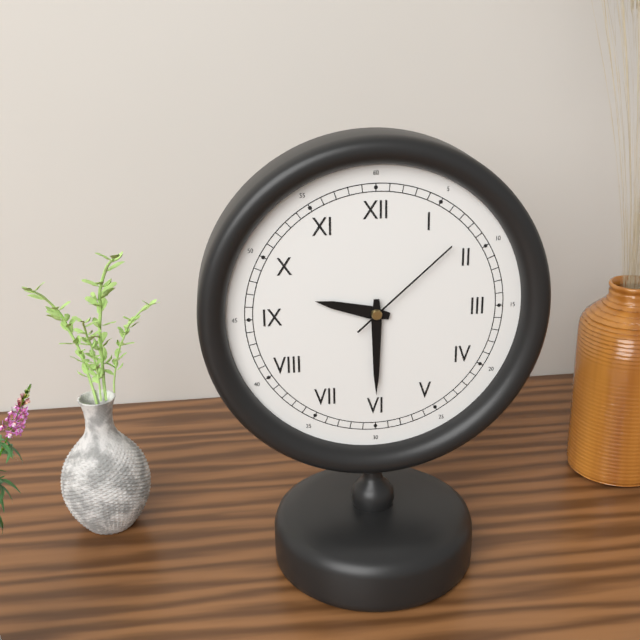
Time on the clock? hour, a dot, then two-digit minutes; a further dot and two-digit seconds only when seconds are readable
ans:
9.30.08
